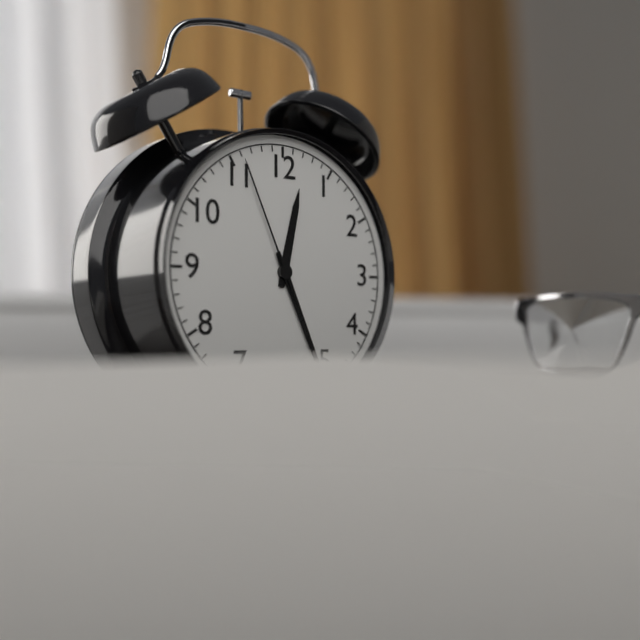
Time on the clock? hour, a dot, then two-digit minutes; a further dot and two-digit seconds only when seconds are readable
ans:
12.26.56
